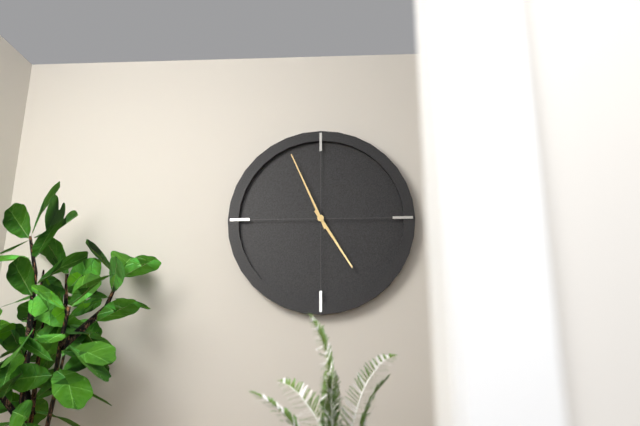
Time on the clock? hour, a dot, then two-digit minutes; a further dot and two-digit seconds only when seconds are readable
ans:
4.56
